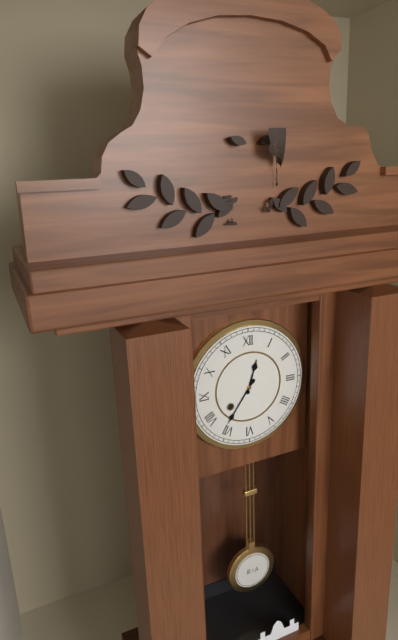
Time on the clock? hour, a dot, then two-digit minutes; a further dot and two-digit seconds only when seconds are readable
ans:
12.36
